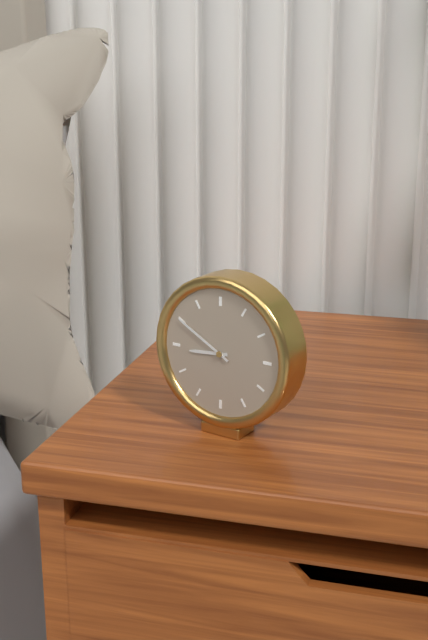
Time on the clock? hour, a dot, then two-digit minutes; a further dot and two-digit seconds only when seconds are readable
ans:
8.50
